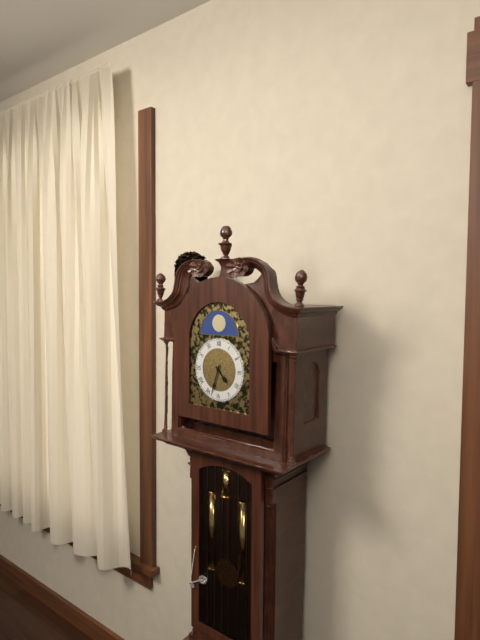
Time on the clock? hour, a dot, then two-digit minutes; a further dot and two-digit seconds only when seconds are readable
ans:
4.33
